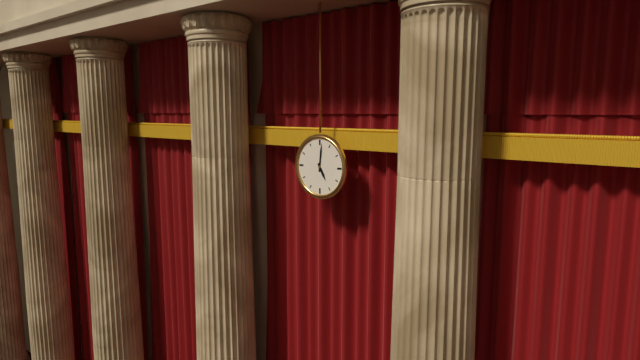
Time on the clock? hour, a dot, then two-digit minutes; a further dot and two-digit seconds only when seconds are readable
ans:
5.01
